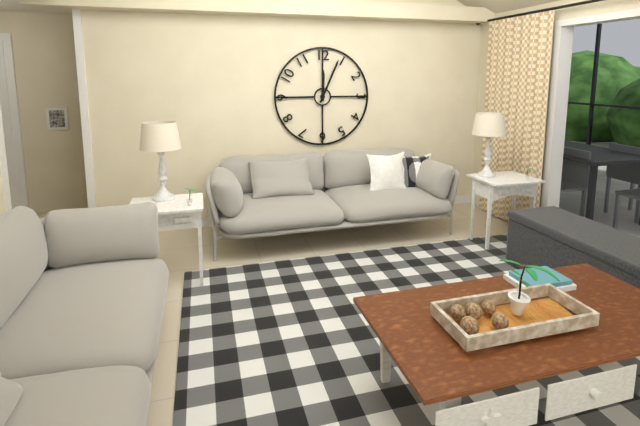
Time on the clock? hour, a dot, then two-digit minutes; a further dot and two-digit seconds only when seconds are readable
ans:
12.04
